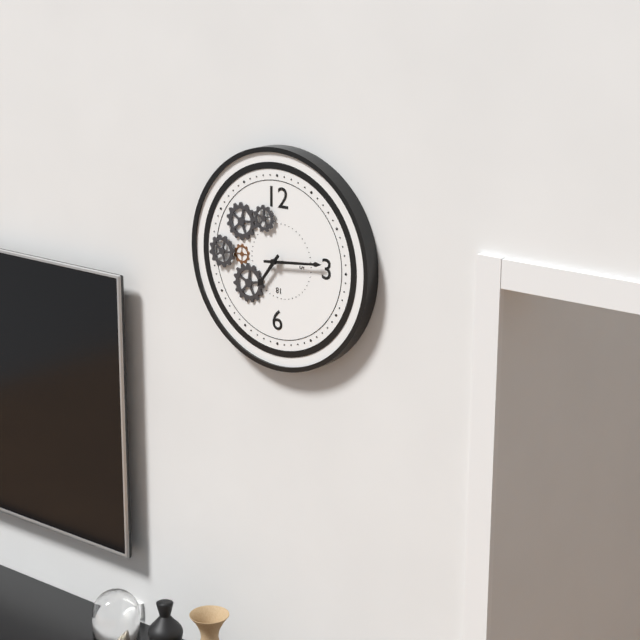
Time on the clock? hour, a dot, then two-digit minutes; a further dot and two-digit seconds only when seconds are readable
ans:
7.14
